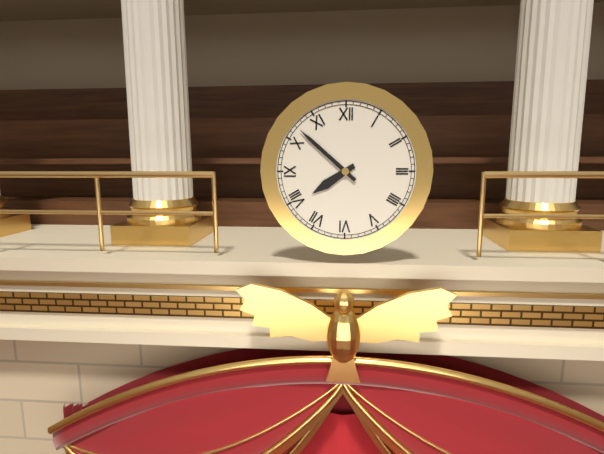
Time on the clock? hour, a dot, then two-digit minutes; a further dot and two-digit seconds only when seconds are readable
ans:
7.52
